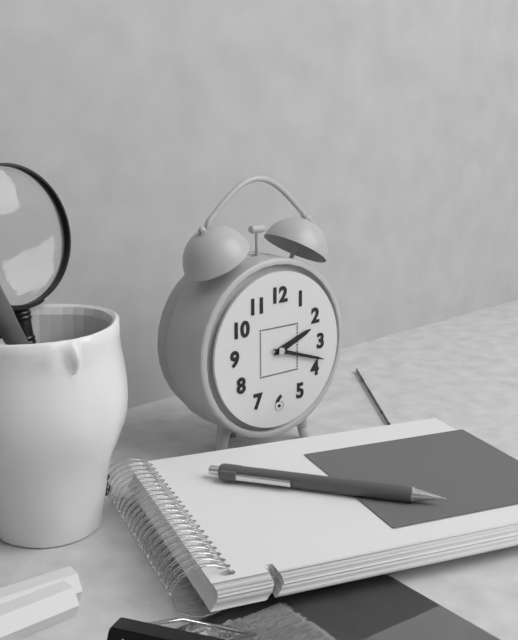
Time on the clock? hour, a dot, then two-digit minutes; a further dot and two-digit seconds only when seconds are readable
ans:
2.18
